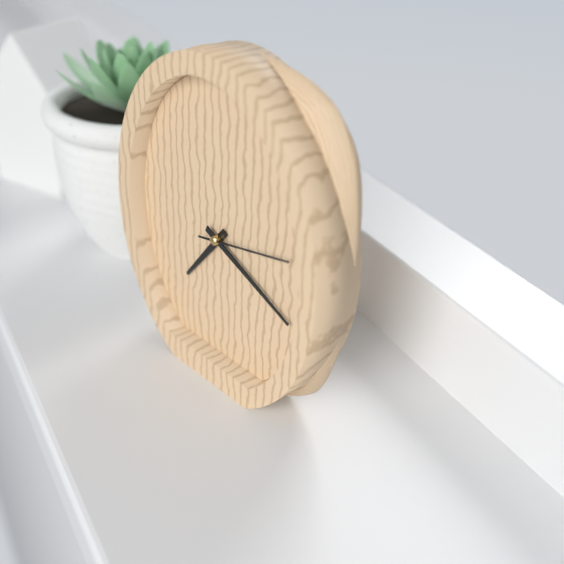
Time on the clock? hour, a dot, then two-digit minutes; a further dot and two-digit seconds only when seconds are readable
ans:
7.19.13
